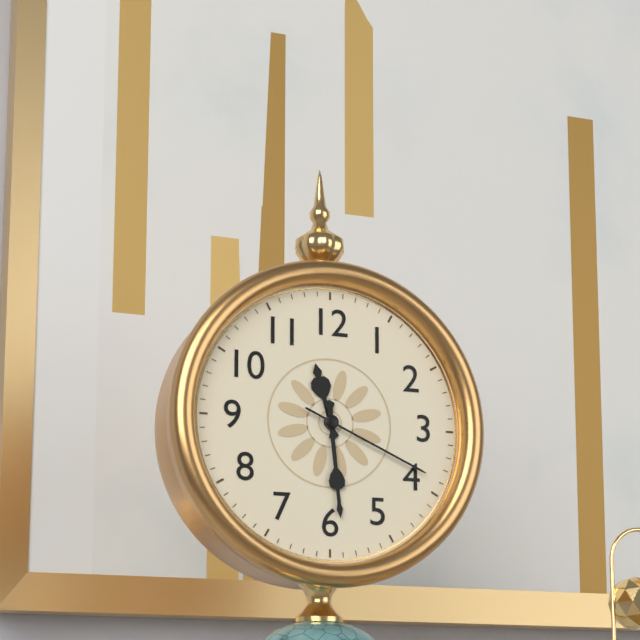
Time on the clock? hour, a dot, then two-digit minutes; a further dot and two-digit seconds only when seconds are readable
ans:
11.29.19
